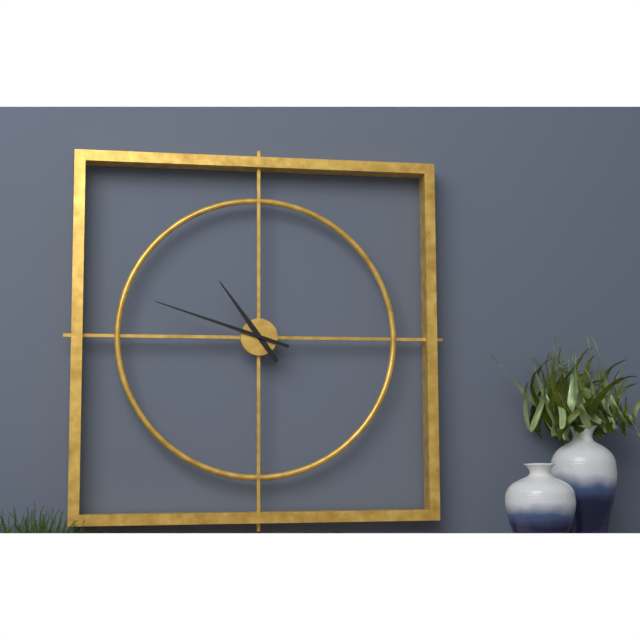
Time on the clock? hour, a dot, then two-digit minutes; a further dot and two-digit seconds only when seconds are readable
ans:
10.48
